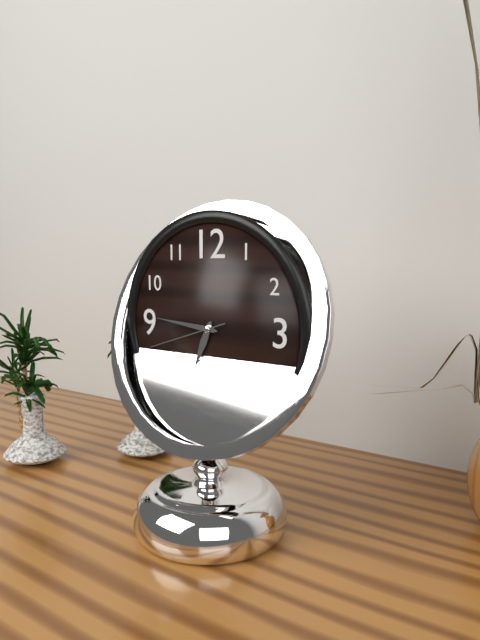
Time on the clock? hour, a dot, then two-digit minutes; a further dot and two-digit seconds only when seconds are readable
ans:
6.46.42
